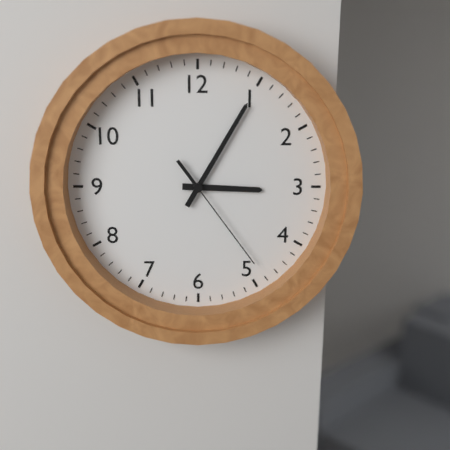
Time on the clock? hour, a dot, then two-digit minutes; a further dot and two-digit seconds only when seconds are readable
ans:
3.05.24
